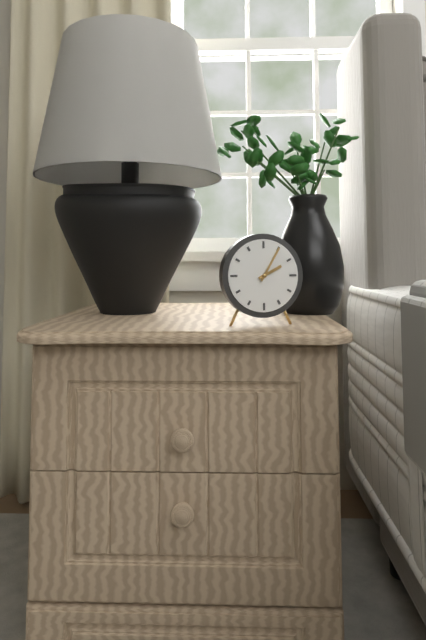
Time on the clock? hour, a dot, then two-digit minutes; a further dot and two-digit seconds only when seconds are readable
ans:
2.05
